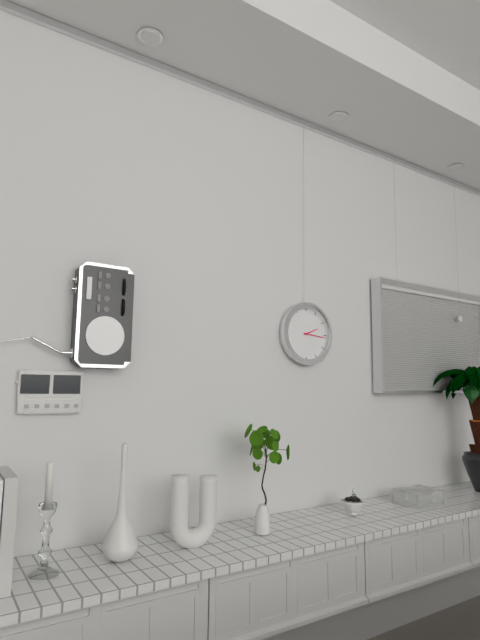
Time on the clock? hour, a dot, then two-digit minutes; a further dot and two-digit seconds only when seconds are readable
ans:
2.16
